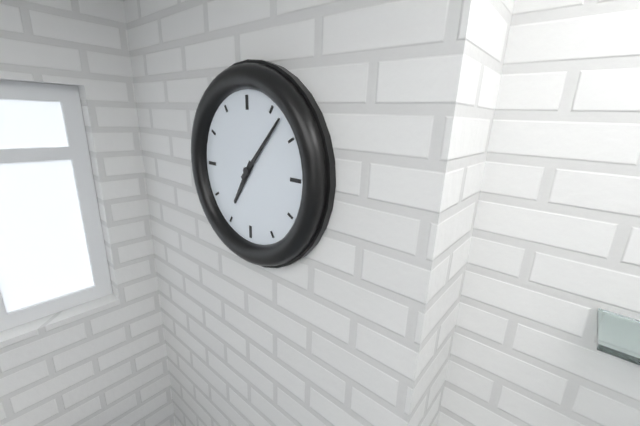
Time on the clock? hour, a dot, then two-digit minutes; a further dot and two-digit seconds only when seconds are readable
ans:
7.07
